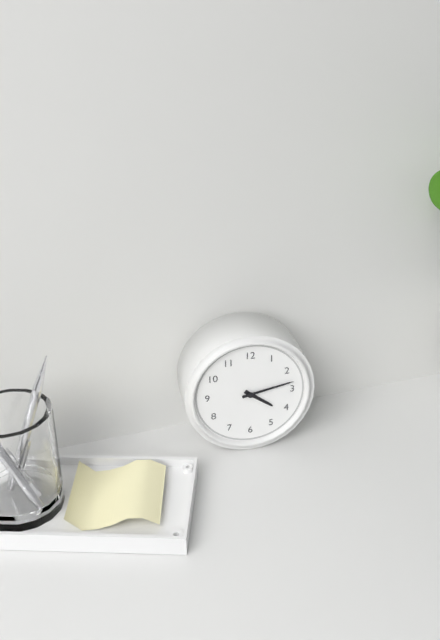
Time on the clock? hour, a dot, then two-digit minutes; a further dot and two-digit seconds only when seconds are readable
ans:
4.13
